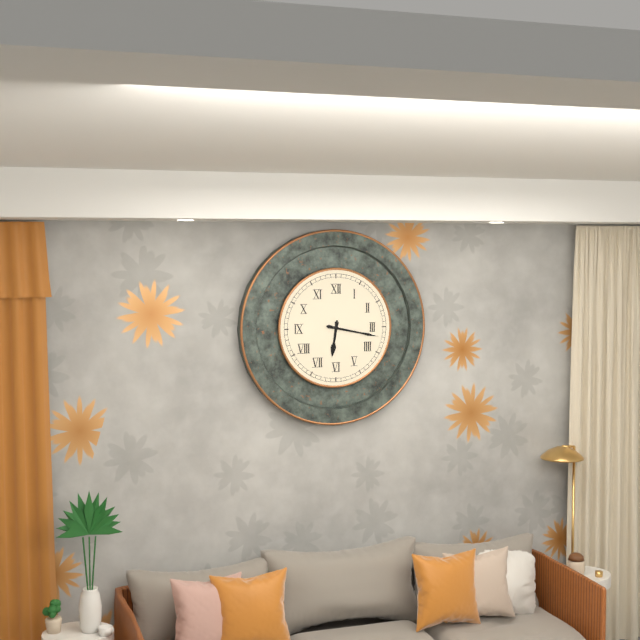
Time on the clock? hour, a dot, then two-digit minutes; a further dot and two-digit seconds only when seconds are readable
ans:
6.17
